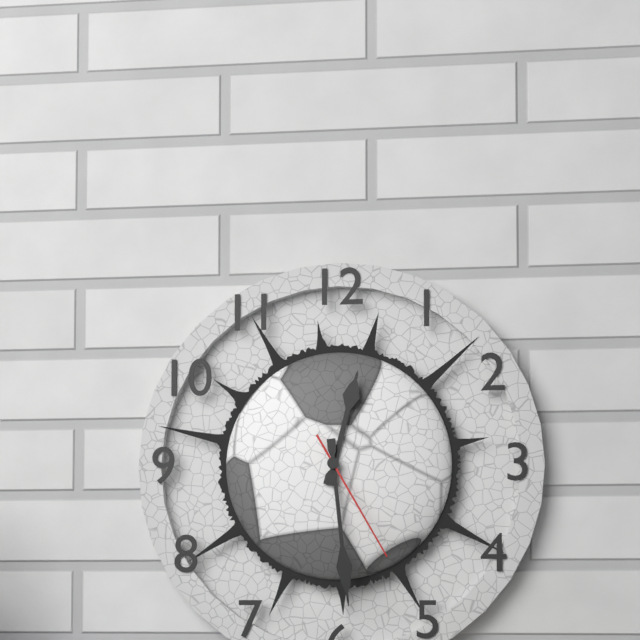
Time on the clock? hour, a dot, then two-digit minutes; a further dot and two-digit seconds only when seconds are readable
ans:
12.29.25
